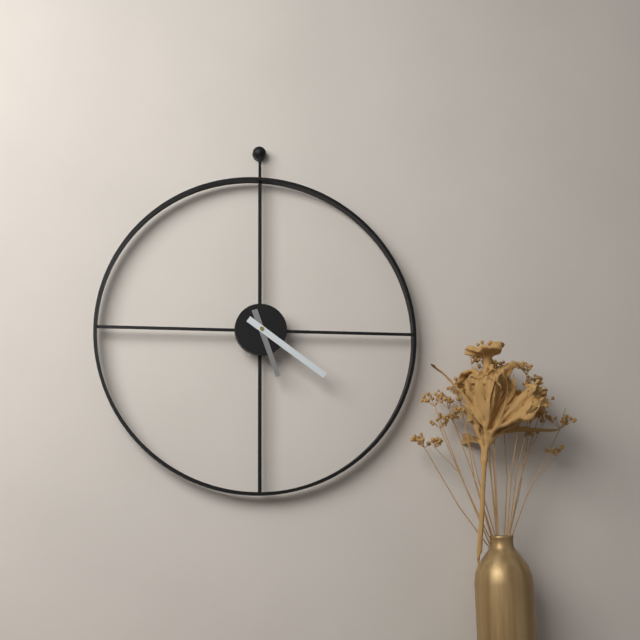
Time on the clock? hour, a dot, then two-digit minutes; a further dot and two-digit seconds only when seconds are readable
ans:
5.21
